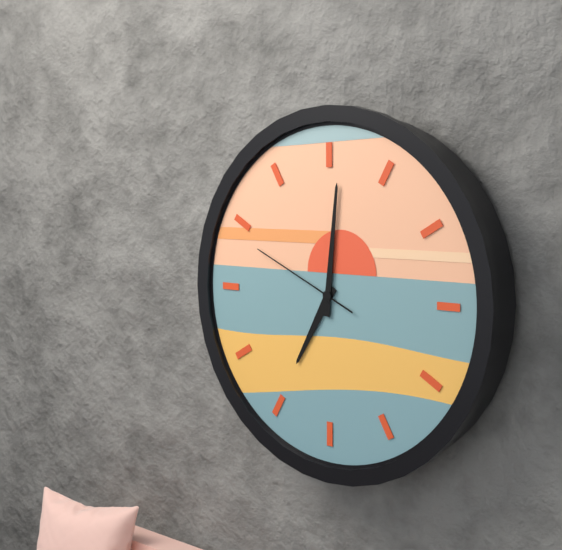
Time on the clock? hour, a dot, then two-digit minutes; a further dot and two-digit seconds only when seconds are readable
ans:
7.01.49
